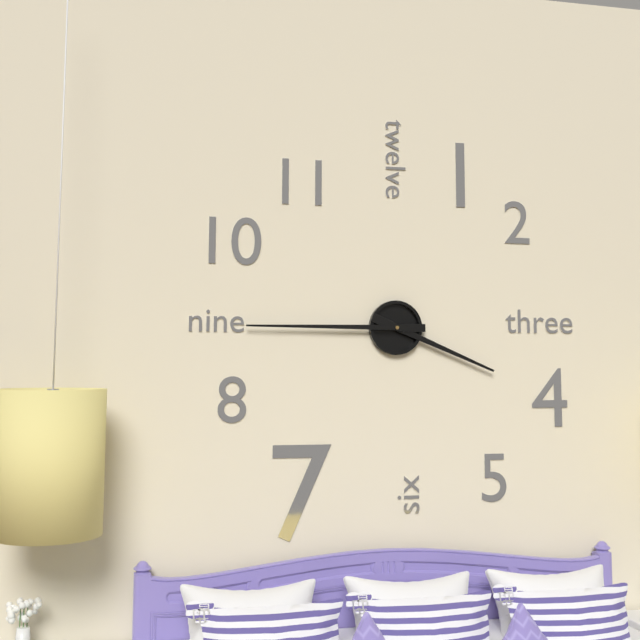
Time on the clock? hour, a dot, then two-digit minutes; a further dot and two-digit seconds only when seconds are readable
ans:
3.45
